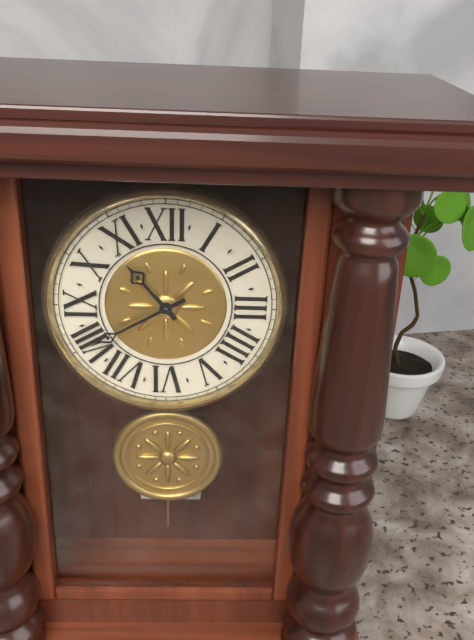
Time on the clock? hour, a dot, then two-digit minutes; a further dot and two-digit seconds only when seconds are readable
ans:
10.40
